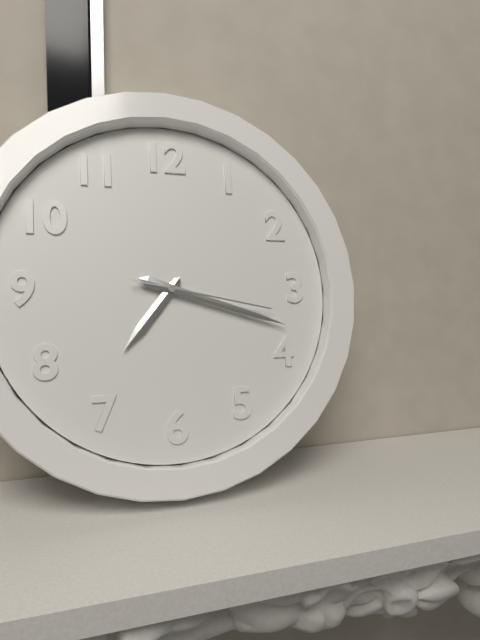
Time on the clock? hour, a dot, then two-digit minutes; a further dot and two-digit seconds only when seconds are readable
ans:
7.18.17
